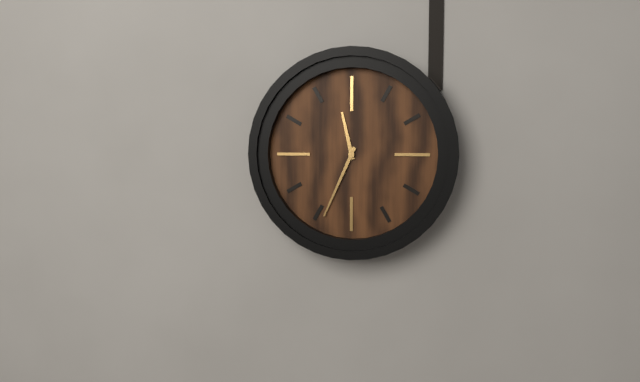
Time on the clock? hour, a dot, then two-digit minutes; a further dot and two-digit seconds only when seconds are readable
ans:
11.34
